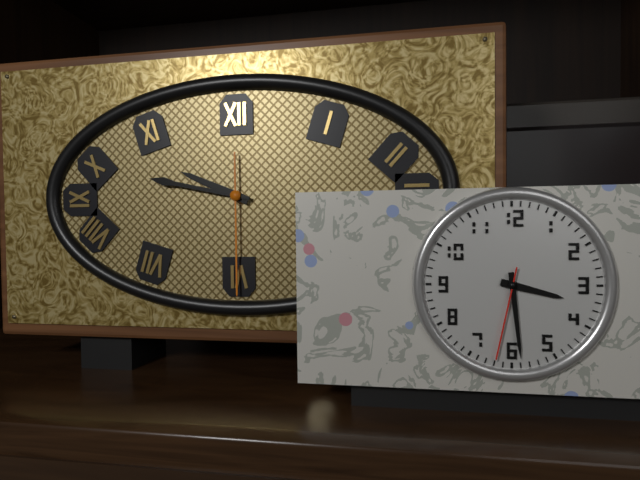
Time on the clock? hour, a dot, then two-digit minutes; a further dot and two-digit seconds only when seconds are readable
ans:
9.47.30
